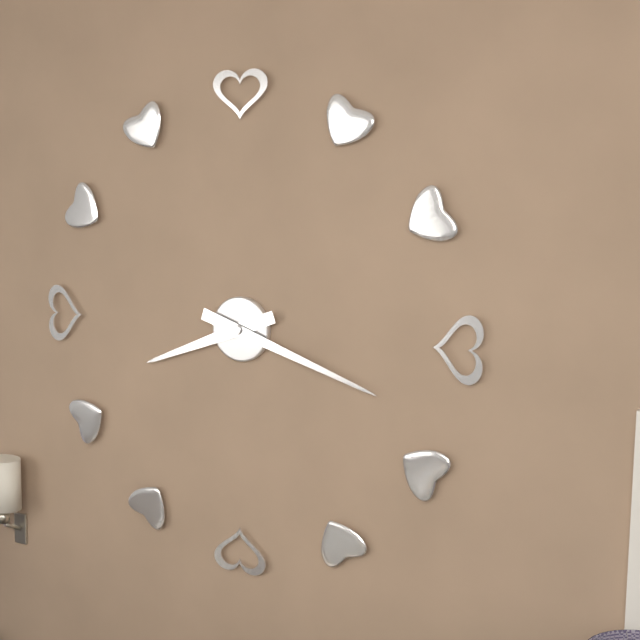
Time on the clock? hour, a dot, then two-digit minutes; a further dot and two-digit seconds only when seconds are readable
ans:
8.18
